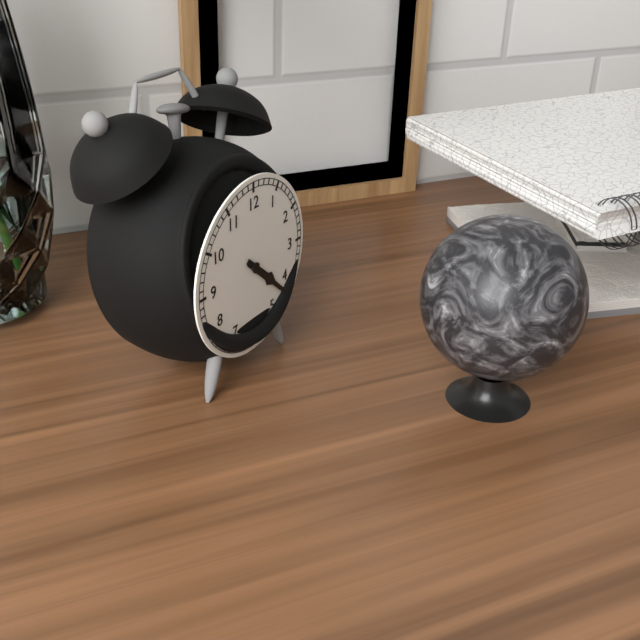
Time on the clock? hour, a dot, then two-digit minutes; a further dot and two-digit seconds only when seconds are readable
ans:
4.22
